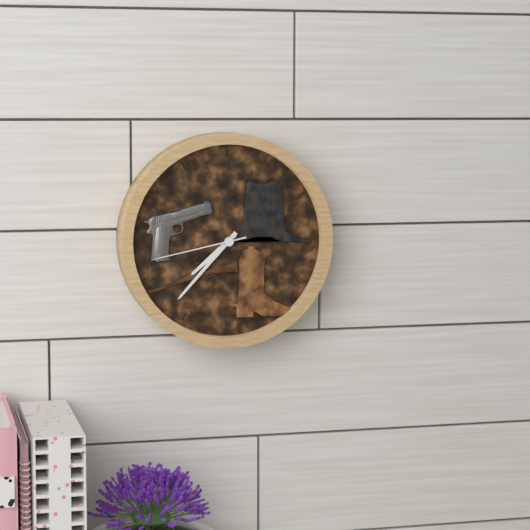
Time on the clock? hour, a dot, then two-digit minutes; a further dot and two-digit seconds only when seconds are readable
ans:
7.37.43
